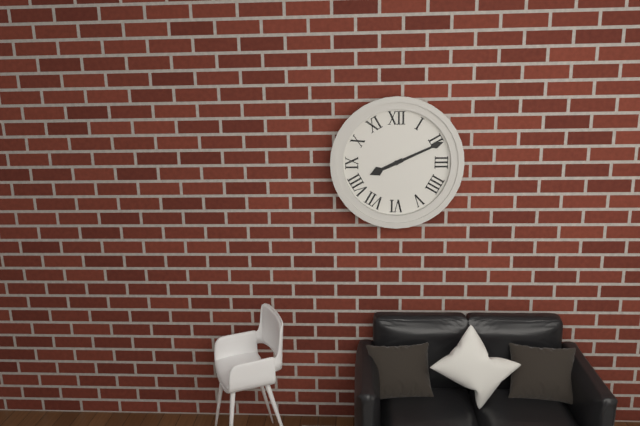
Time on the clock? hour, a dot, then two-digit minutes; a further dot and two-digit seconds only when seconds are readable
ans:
8.11
